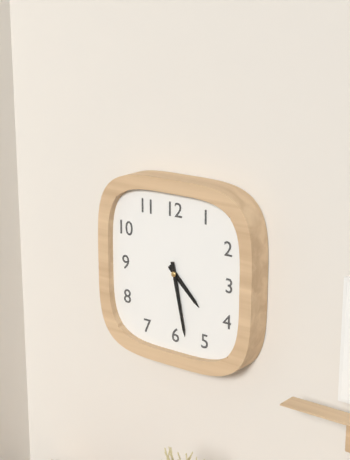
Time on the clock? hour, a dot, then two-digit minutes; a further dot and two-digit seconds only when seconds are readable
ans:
4.28
